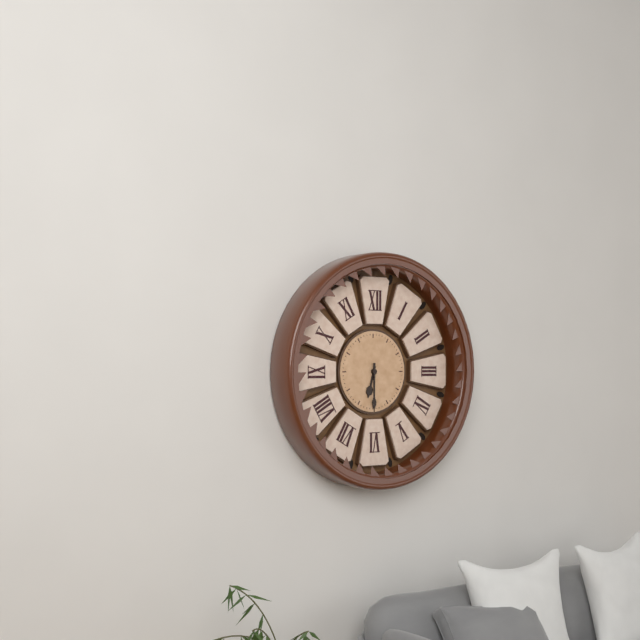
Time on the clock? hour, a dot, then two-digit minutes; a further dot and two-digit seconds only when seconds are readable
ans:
6.30
